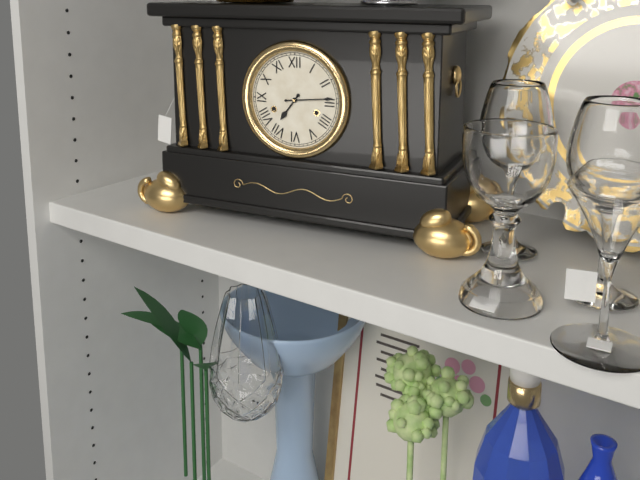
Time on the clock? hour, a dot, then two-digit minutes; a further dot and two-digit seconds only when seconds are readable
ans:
7.14
